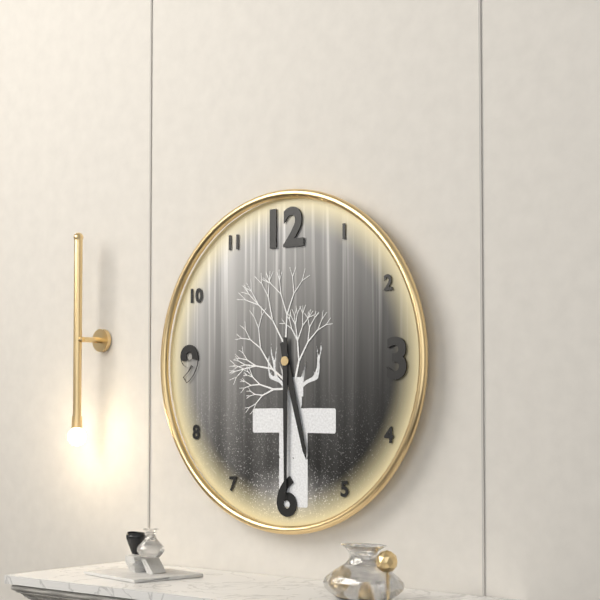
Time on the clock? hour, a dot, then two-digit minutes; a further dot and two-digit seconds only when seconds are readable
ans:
5.30
